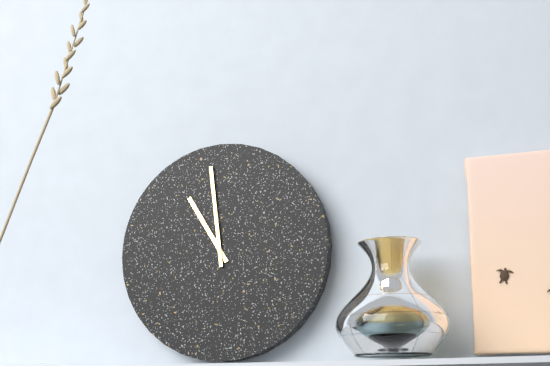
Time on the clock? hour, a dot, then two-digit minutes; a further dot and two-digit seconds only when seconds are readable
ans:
10.59
